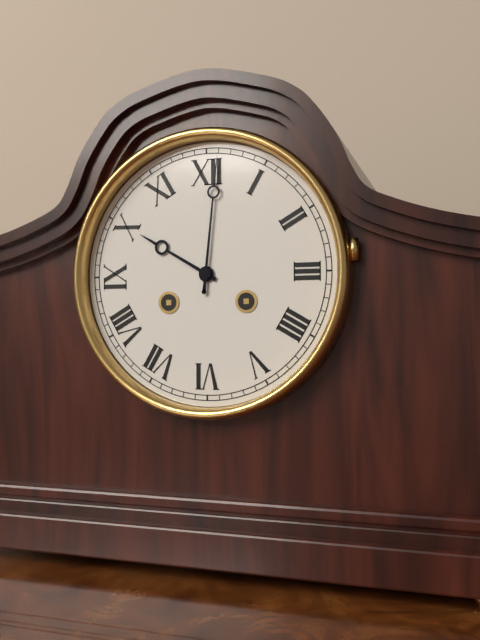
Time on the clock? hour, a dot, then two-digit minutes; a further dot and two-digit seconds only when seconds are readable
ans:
10.01
